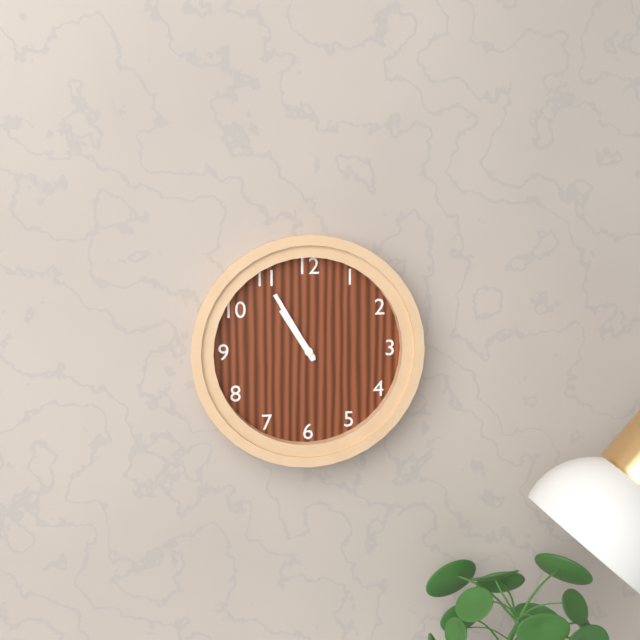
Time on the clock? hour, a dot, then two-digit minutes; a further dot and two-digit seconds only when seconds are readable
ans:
10.55
